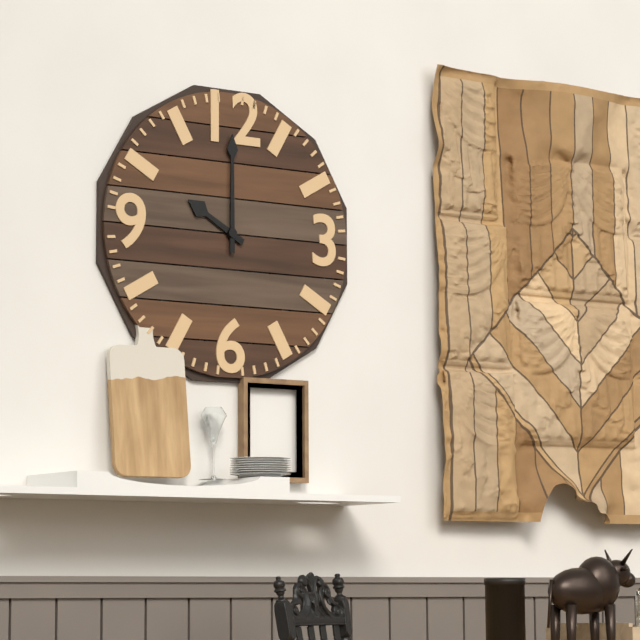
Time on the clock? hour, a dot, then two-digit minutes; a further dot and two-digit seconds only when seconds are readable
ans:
10.00
